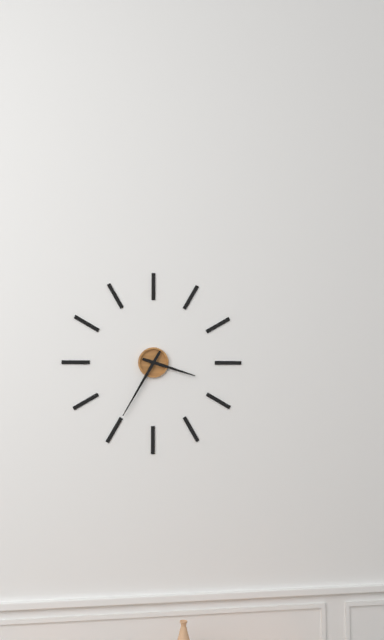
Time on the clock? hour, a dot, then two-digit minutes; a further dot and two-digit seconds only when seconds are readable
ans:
3.35
